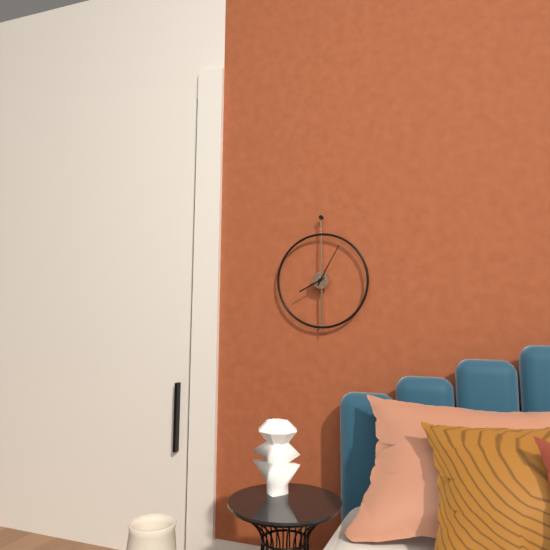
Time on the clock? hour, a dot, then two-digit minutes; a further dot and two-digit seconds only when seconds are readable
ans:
8.05
